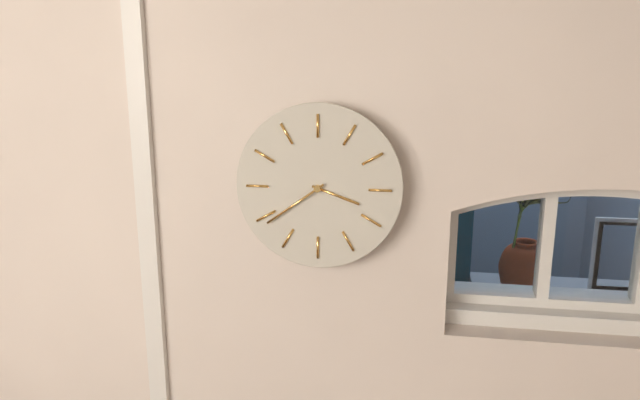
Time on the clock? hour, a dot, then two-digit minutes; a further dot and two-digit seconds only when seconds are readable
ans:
3.39
